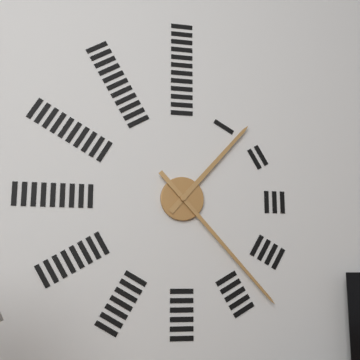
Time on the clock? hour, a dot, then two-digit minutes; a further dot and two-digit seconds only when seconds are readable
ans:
1.23
